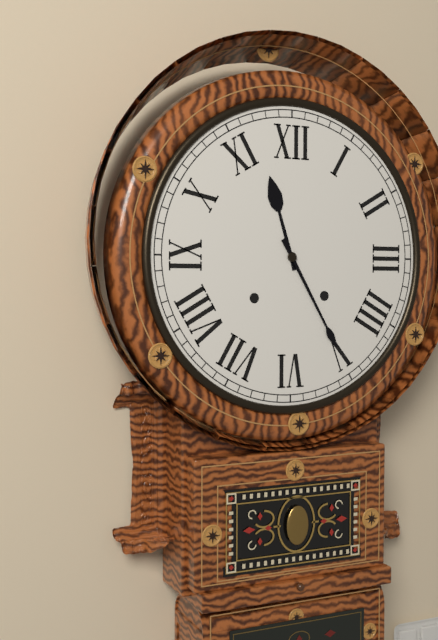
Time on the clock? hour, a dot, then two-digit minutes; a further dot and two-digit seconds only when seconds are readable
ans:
11.25
